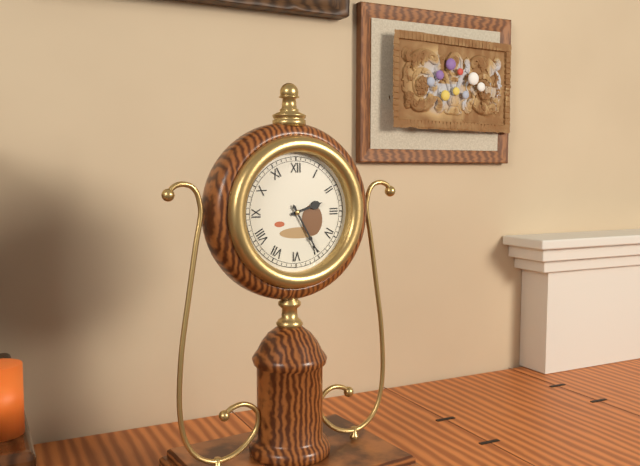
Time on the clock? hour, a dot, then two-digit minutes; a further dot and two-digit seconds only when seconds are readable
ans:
2.25
